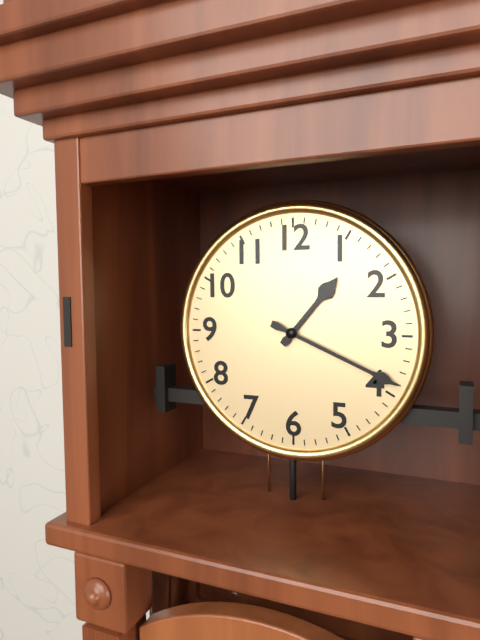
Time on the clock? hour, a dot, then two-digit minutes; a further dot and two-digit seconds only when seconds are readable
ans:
1.19
